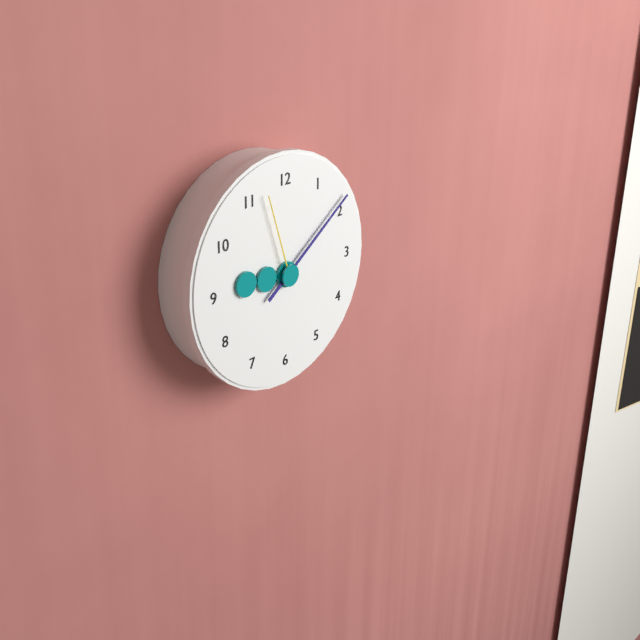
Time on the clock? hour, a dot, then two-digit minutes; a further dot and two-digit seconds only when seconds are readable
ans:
9.09.57
